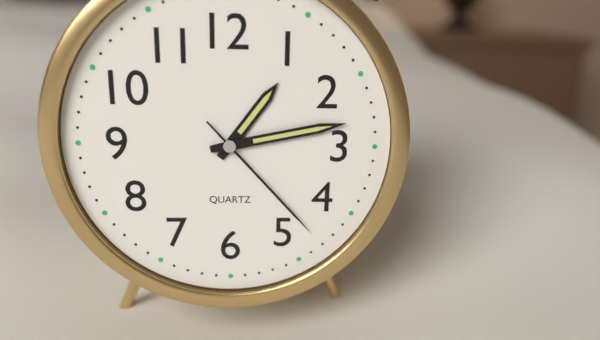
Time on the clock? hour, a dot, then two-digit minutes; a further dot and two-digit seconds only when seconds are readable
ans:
1.13.23
